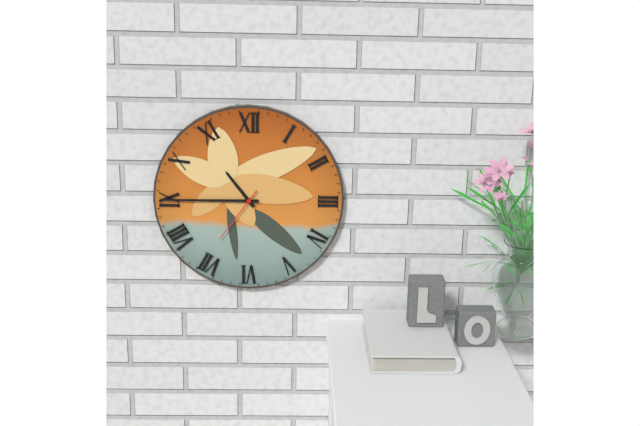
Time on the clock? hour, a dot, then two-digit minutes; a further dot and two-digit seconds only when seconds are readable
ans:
10.45.36
